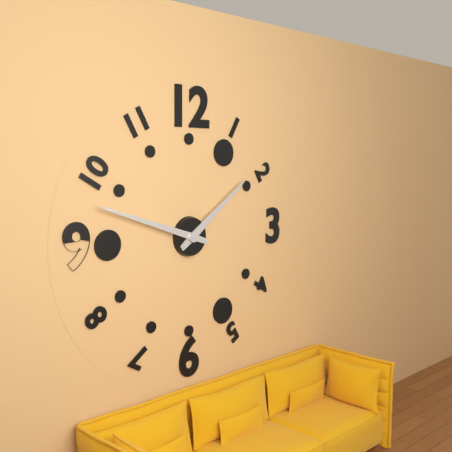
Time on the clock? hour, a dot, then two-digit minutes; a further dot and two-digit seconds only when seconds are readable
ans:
1.48
